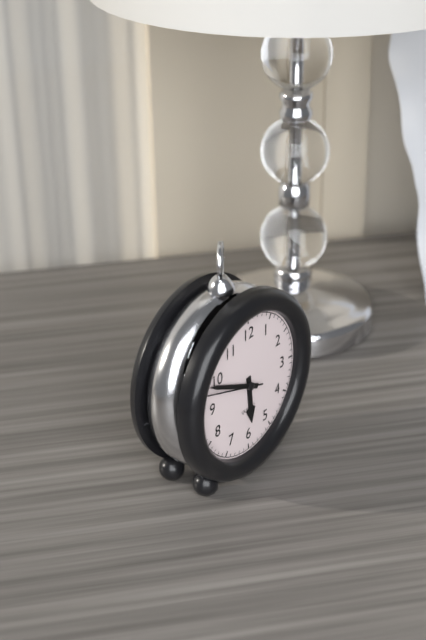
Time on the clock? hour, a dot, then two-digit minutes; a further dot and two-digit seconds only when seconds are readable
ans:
5.49.48
